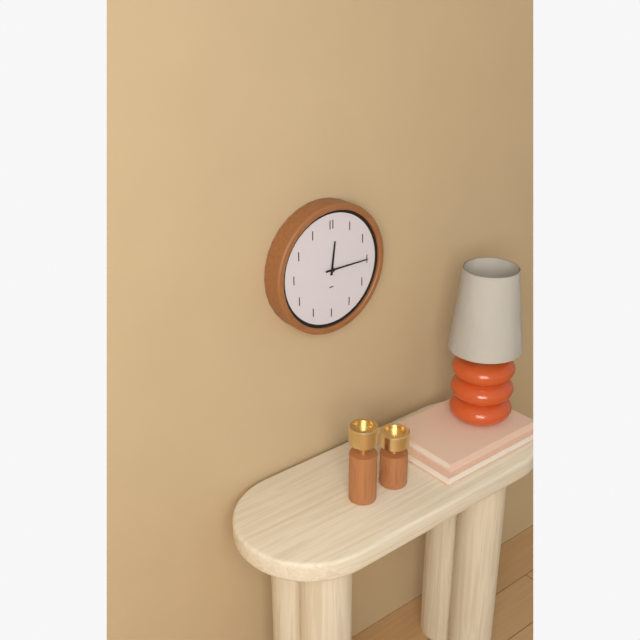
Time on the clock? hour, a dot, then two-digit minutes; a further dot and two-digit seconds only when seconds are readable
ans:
12.15
